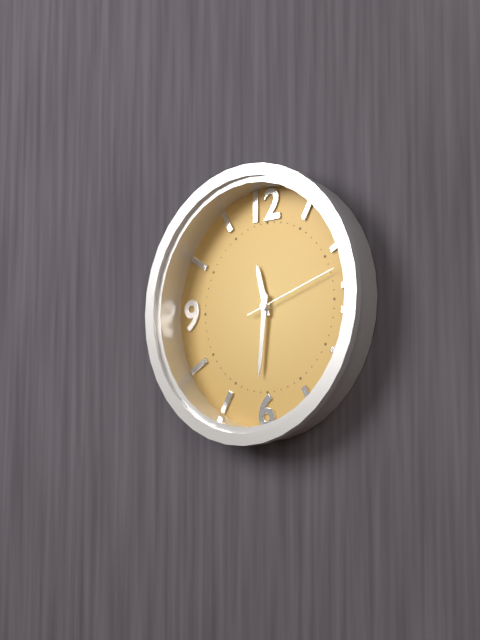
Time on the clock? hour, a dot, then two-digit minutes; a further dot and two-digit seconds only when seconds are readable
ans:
11.31.12
